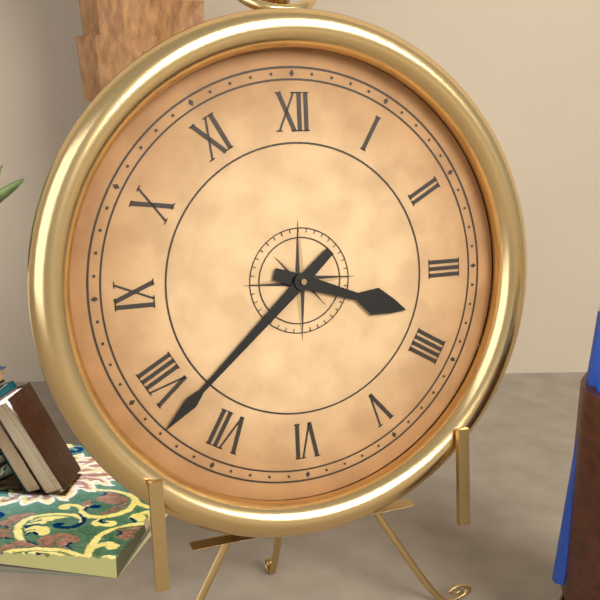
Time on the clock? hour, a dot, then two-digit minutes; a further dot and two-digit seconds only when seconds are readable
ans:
3.38
